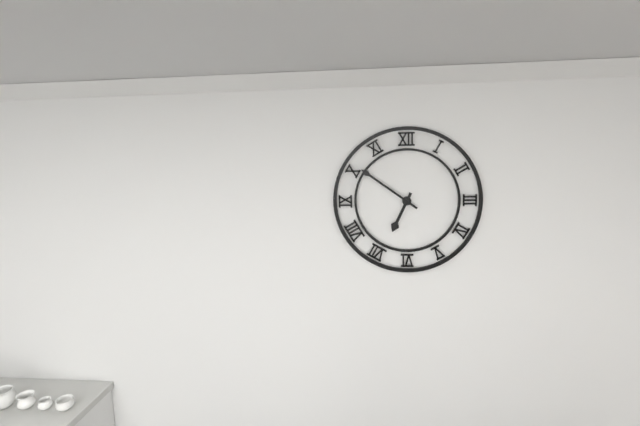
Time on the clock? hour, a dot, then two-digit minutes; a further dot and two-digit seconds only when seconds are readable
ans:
6.51
